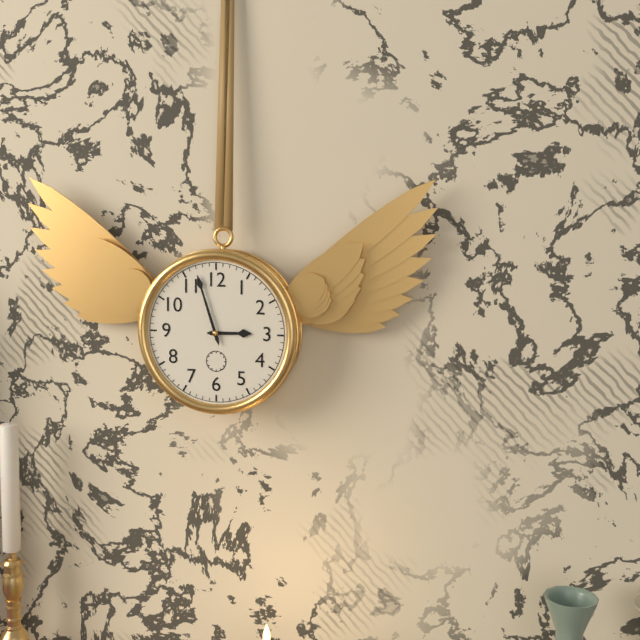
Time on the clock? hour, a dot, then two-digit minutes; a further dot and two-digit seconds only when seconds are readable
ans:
2.57
